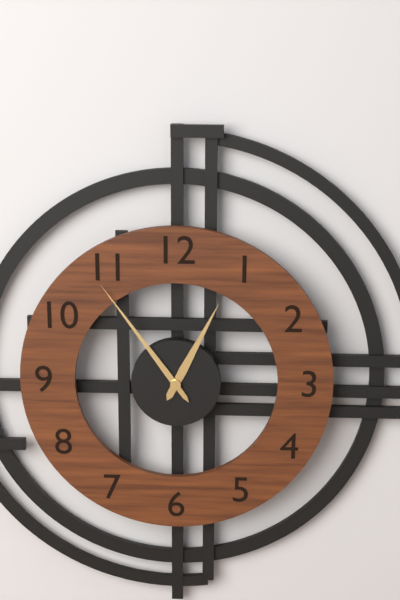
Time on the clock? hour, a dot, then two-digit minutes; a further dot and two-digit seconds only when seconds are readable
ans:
12.54
